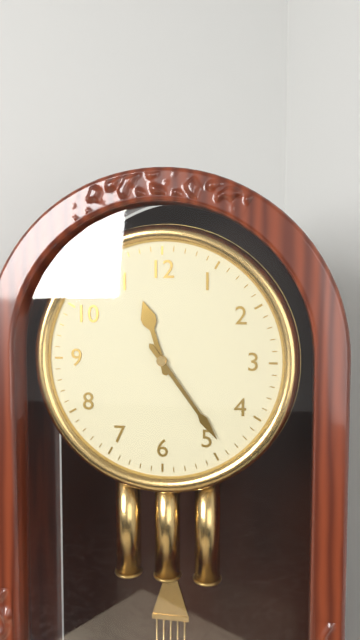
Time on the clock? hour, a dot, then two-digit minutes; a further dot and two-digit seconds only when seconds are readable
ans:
11.24
